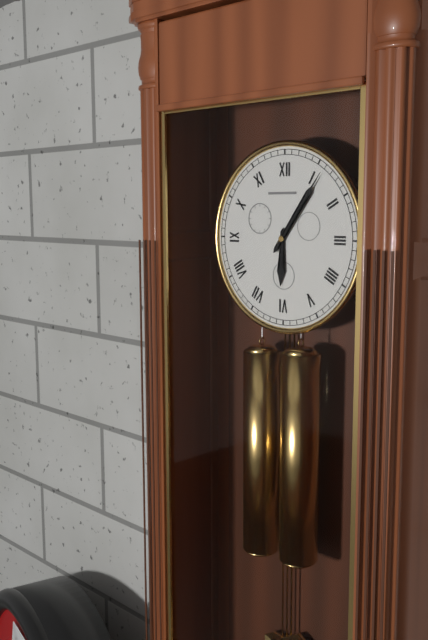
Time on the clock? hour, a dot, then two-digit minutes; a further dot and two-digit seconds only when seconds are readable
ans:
6.06
